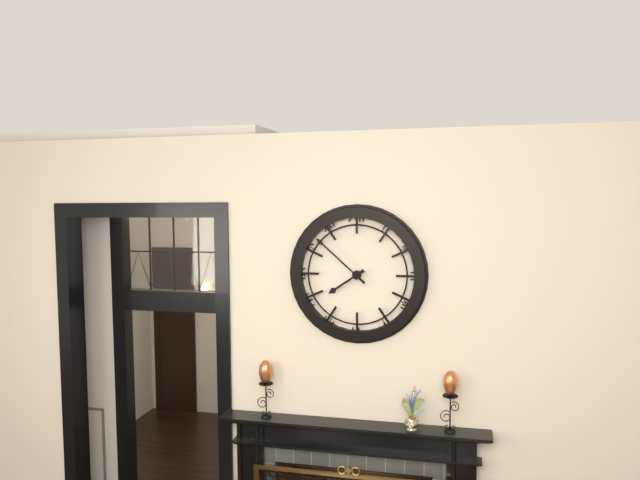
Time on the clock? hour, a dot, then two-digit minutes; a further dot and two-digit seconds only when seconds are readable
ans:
7.52
